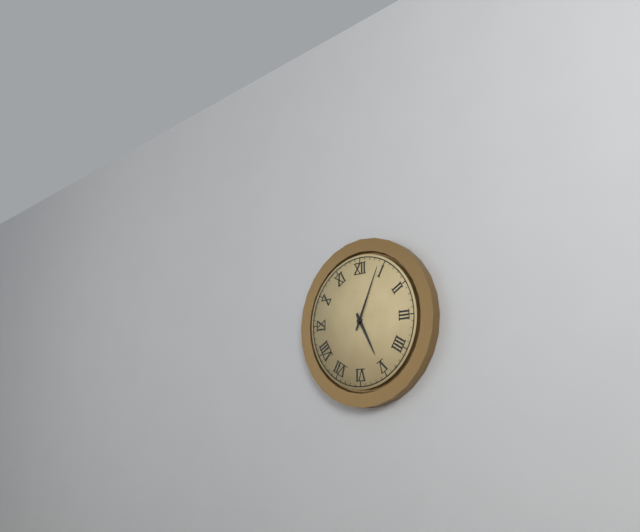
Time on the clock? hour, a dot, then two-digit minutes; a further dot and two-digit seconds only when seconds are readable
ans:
5.04
